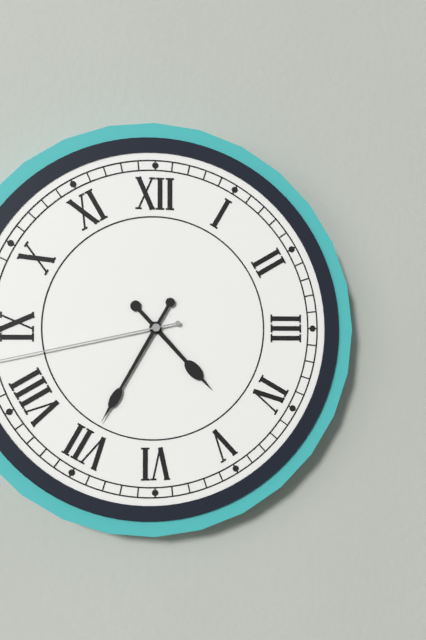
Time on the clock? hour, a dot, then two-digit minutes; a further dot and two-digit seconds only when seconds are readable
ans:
4.35
